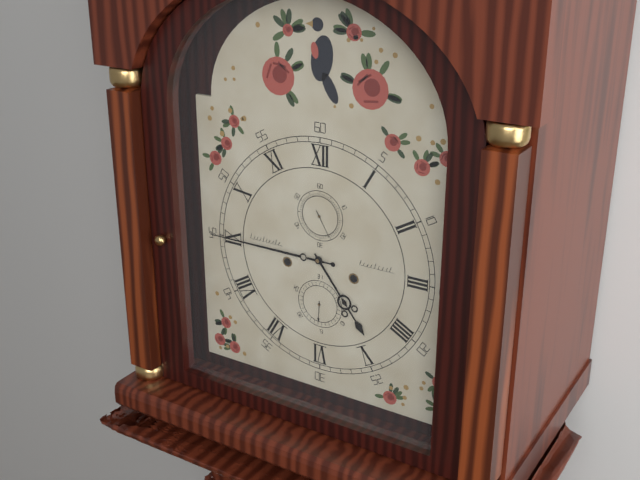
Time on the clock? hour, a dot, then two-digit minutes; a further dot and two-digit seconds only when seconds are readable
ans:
4.45
